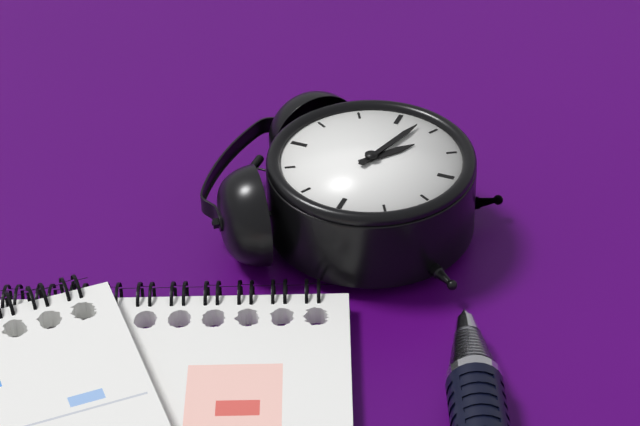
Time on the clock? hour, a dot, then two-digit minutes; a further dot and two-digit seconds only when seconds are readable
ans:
4.18
